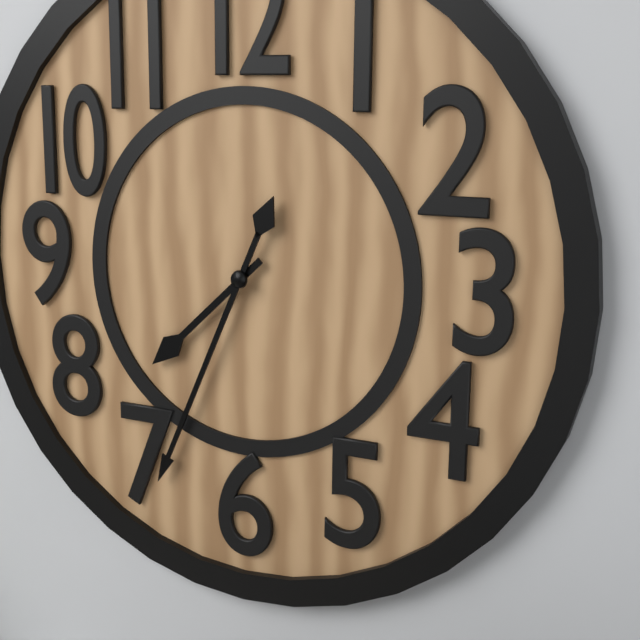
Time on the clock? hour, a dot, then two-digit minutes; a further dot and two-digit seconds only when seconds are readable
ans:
7.34
